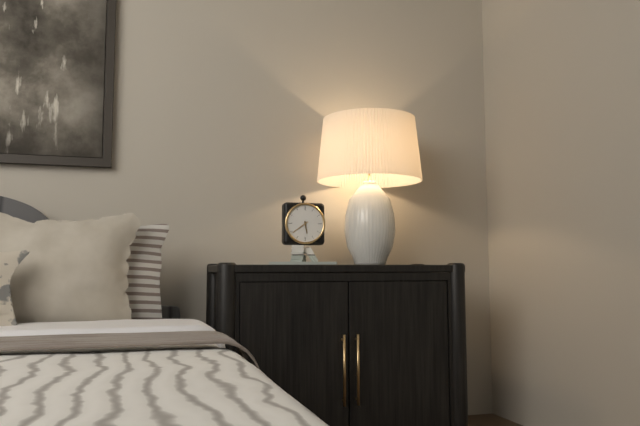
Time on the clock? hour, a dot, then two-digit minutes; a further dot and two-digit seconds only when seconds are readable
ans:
5.39
